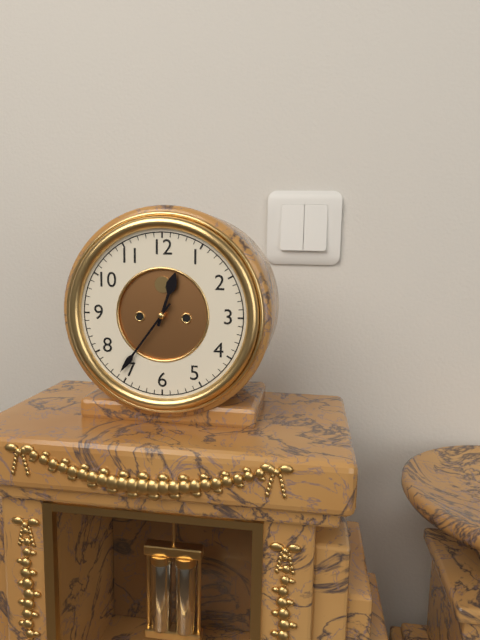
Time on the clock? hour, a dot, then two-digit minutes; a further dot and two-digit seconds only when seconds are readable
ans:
12.36
